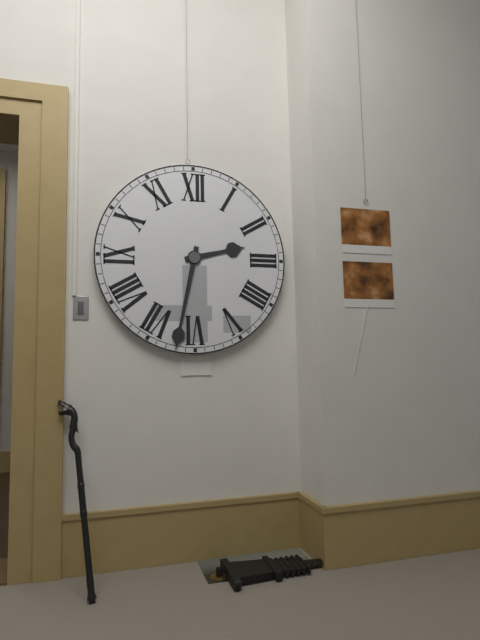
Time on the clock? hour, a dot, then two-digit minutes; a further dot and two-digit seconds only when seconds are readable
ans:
2.32
